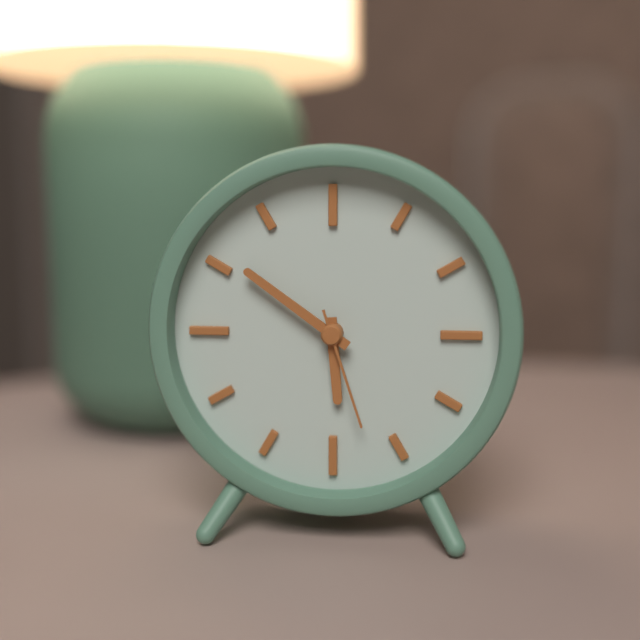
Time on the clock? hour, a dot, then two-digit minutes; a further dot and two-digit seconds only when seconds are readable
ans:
5.51.27
